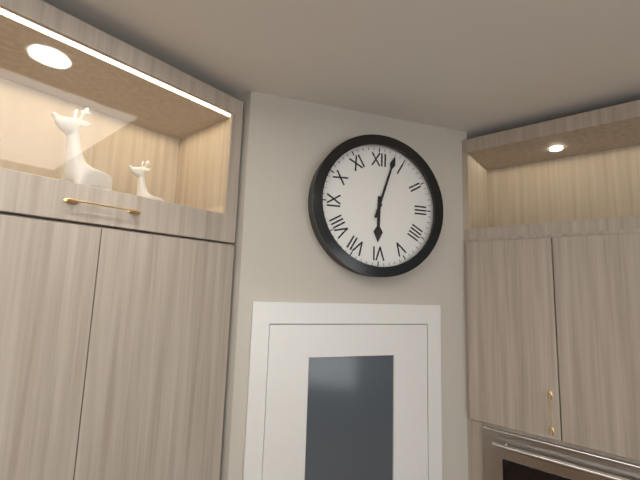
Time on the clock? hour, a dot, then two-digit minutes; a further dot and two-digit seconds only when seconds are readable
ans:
6.03
